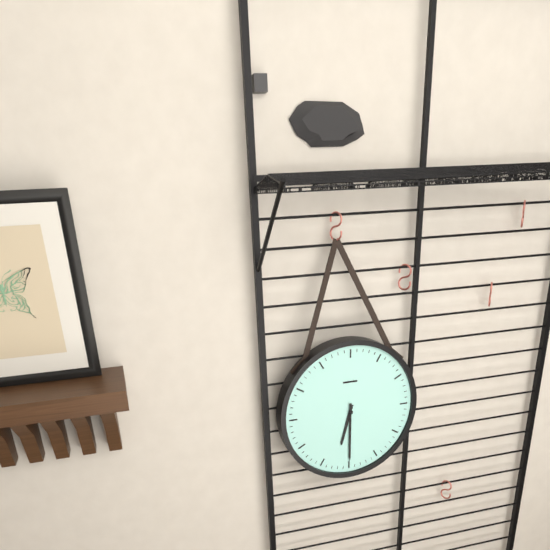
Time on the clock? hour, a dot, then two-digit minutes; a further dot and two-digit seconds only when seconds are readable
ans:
6.30
